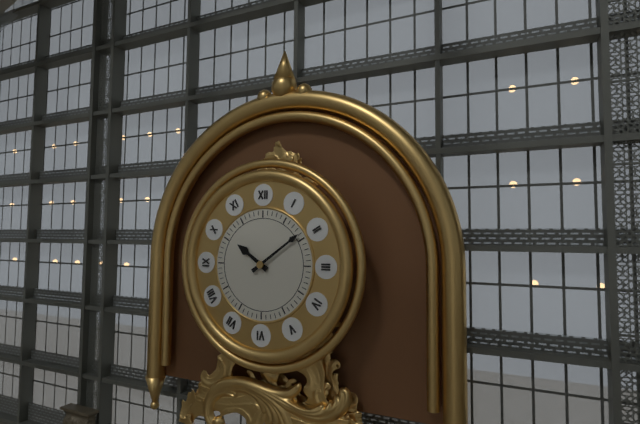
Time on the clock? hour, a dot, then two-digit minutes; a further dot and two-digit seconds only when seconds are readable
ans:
10.09
